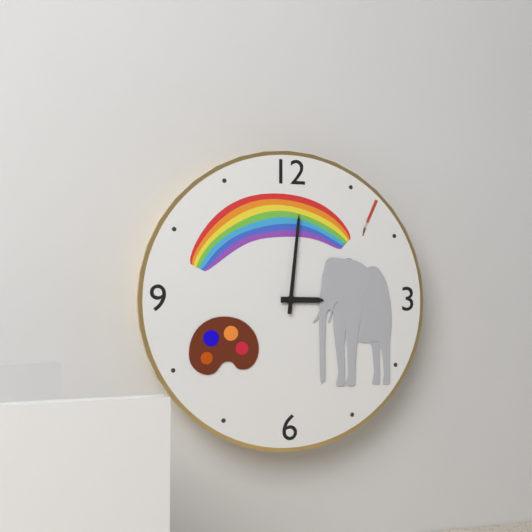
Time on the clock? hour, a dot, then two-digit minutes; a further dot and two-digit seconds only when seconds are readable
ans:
3.01
